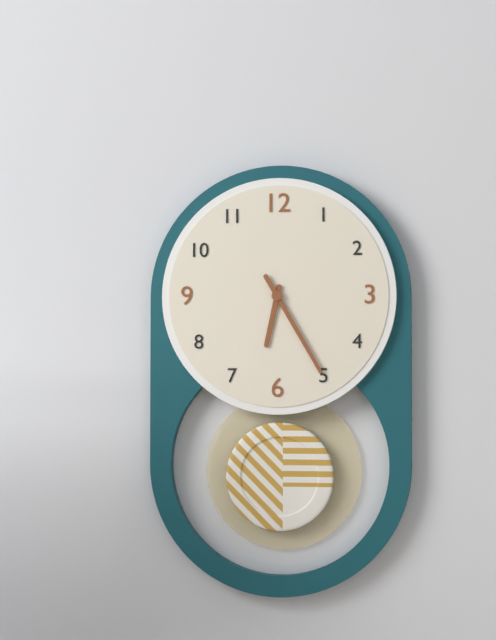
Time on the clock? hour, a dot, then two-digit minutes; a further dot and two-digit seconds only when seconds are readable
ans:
6.25
